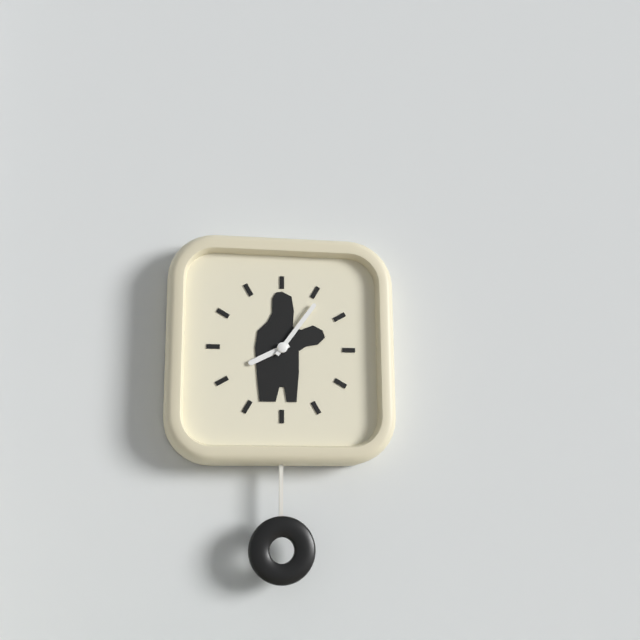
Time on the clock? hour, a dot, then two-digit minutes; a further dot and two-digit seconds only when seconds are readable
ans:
8.06
